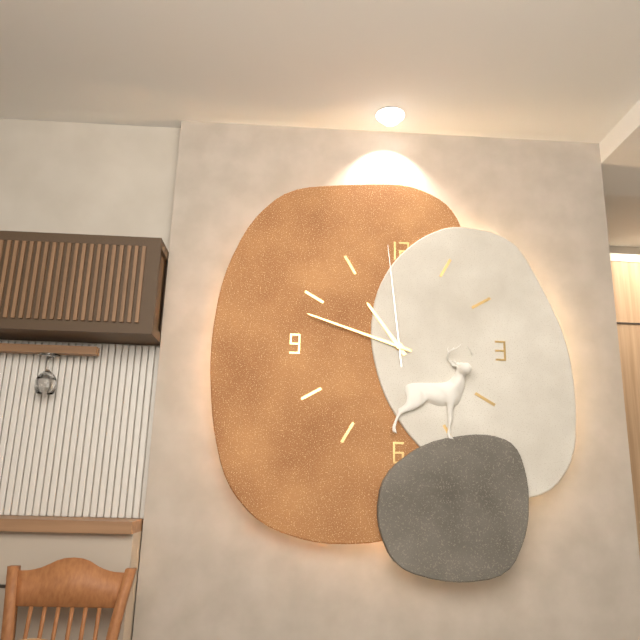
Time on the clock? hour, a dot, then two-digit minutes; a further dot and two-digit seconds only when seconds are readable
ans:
10.48.59
